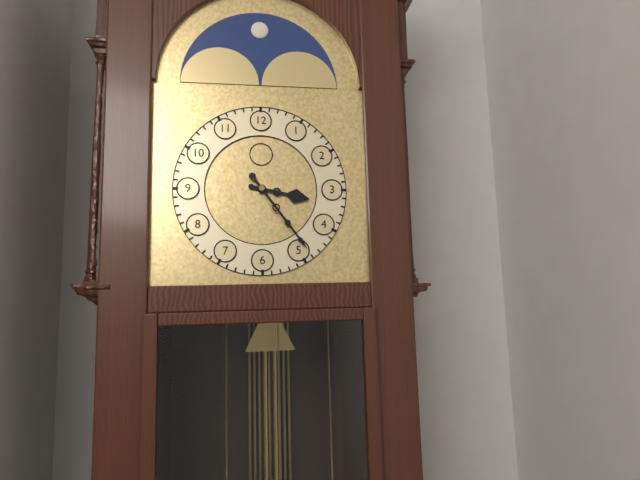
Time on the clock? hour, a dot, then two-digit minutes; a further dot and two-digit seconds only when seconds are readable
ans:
3.24
